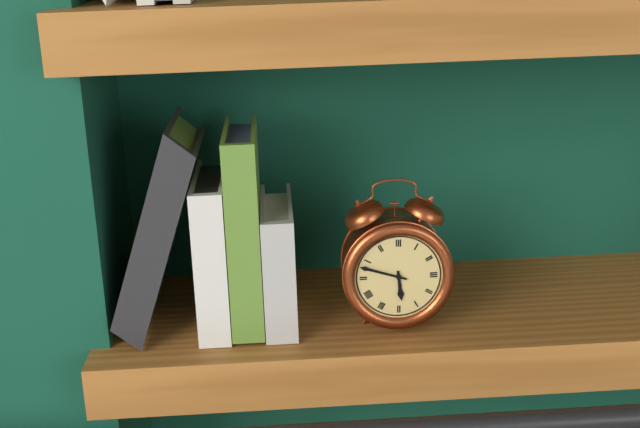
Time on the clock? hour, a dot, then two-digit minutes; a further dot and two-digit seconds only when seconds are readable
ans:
5.48
